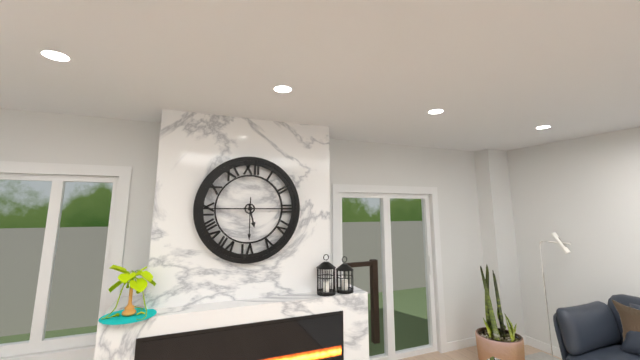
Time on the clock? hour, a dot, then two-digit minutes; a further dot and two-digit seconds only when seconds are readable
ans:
5.30
